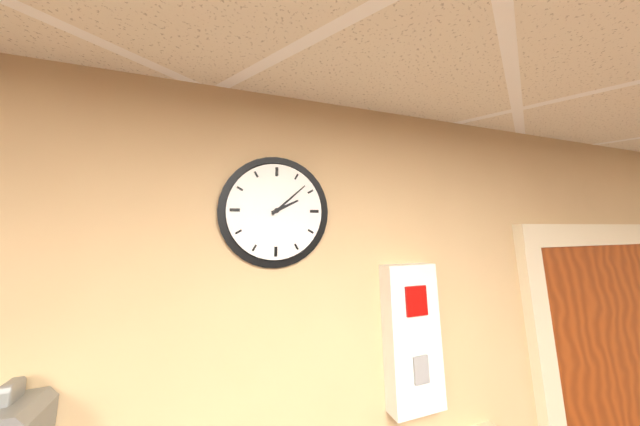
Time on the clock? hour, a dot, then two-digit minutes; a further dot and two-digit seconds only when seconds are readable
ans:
2.08
